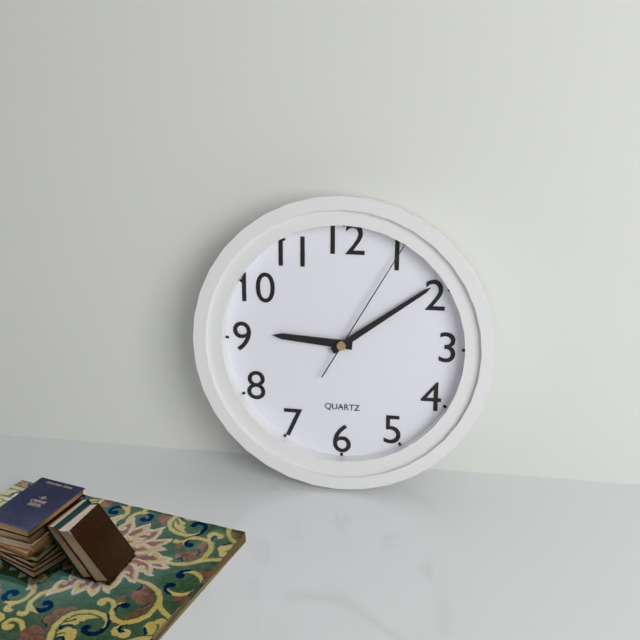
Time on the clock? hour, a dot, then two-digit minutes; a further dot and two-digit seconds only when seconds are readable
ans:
9.09.05
